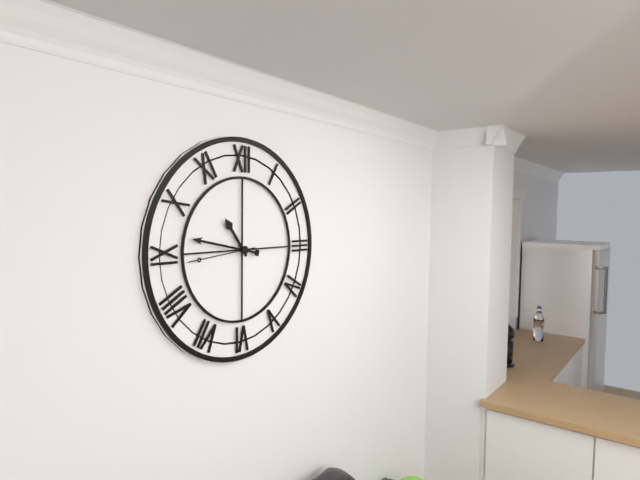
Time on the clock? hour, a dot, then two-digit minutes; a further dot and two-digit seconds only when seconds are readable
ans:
10.47.44
